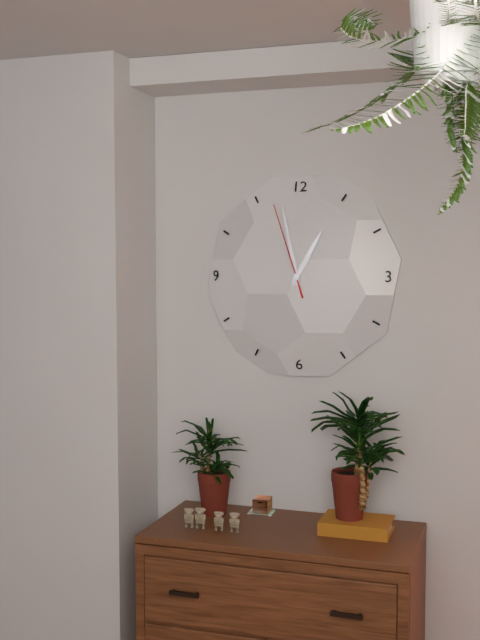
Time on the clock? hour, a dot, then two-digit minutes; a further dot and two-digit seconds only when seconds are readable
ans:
12.58.57
